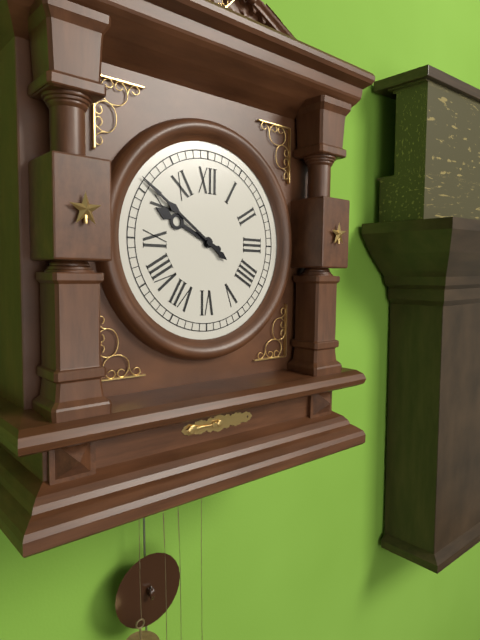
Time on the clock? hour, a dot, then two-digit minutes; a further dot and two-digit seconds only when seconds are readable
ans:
9.51
